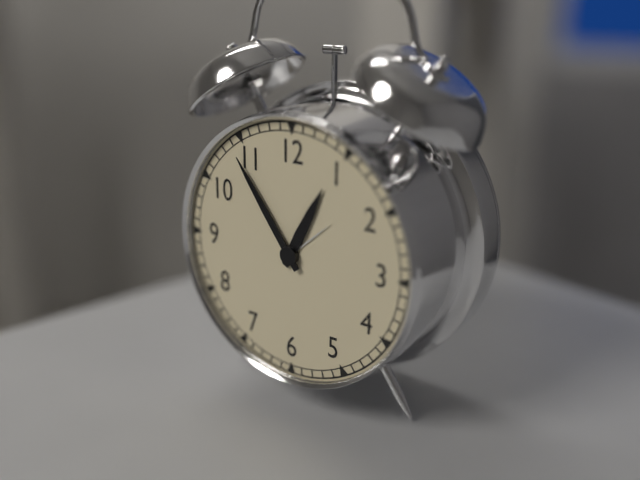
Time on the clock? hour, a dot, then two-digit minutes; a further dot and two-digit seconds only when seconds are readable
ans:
12.54
